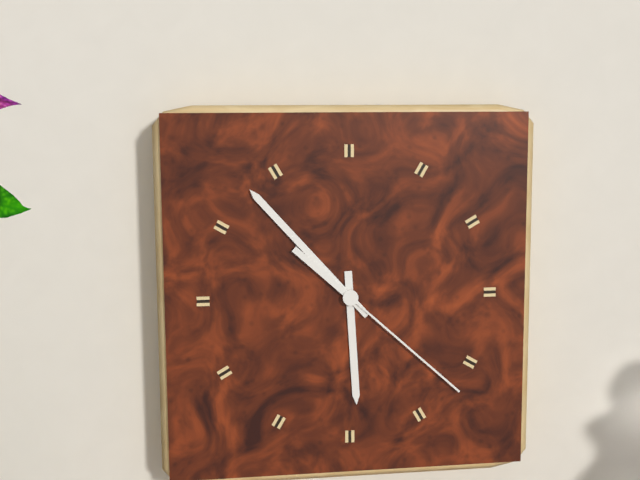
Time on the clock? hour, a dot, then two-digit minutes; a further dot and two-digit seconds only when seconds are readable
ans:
5.53.22
